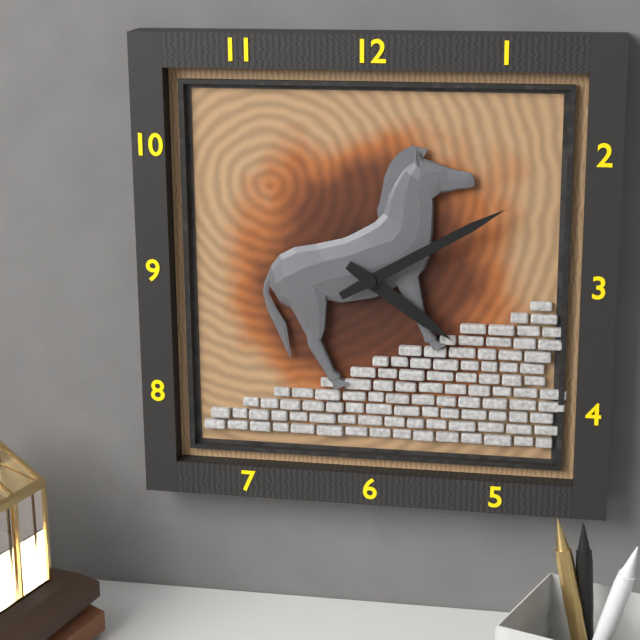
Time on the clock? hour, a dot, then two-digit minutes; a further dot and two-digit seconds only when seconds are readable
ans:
4.10
